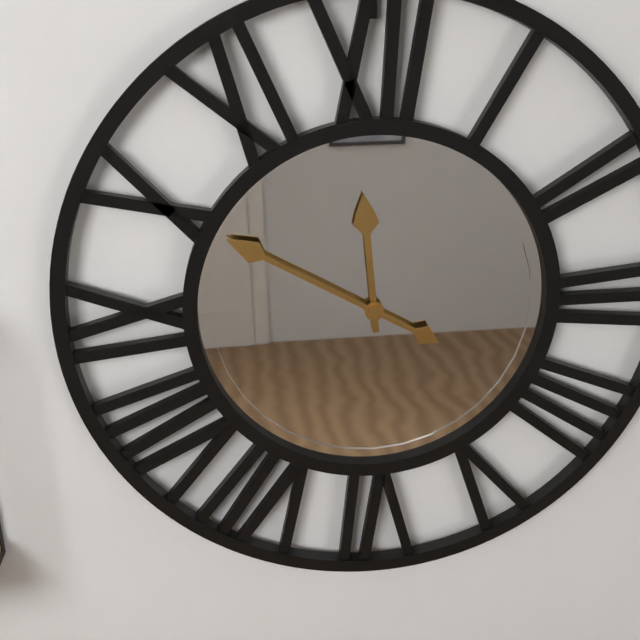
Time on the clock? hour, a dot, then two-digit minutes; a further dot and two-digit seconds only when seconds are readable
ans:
11.50
